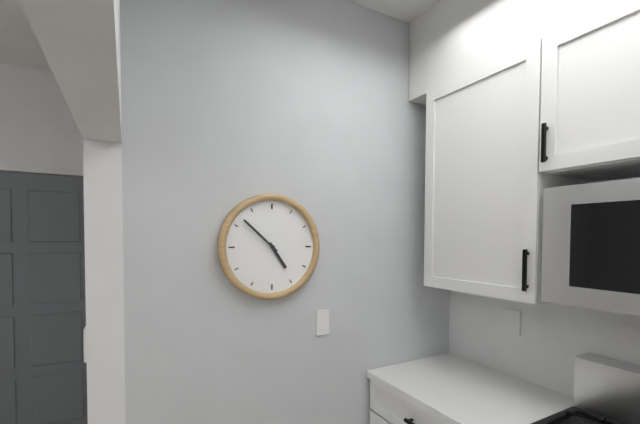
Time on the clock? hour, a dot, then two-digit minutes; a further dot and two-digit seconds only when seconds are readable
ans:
4.52
